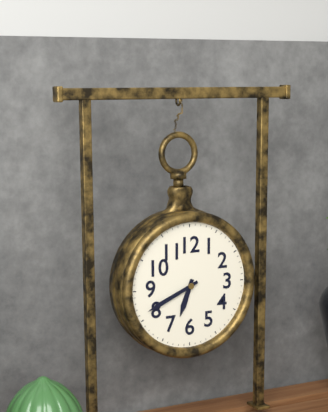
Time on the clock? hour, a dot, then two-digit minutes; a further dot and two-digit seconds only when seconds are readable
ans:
6.41
